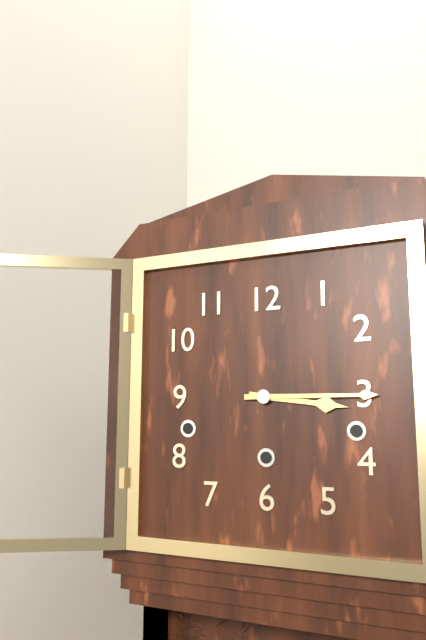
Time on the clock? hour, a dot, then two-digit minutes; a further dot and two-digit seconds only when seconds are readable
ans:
3.15
